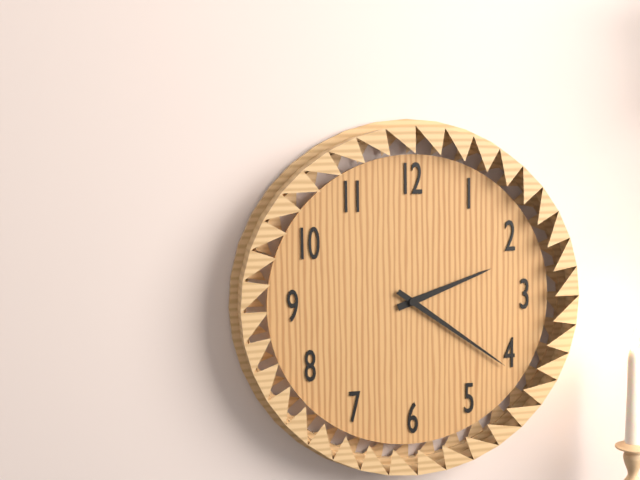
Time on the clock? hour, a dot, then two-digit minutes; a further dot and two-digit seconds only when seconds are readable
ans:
2.21
